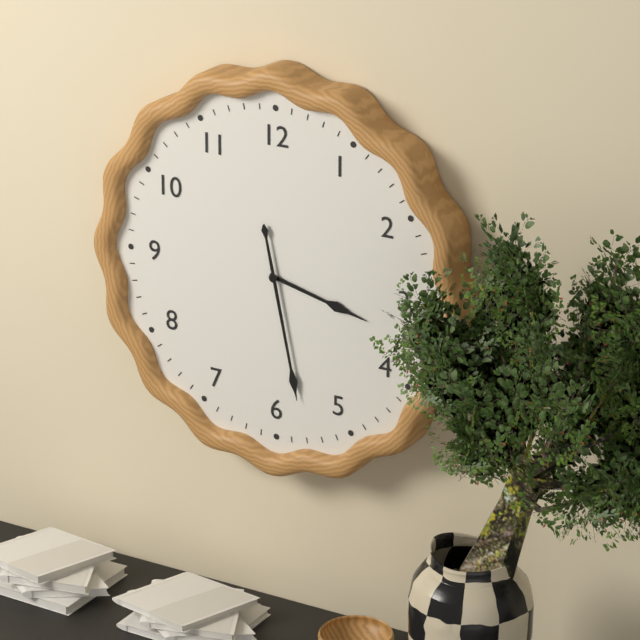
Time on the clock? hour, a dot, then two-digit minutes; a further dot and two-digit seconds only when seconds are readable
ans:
3.28
